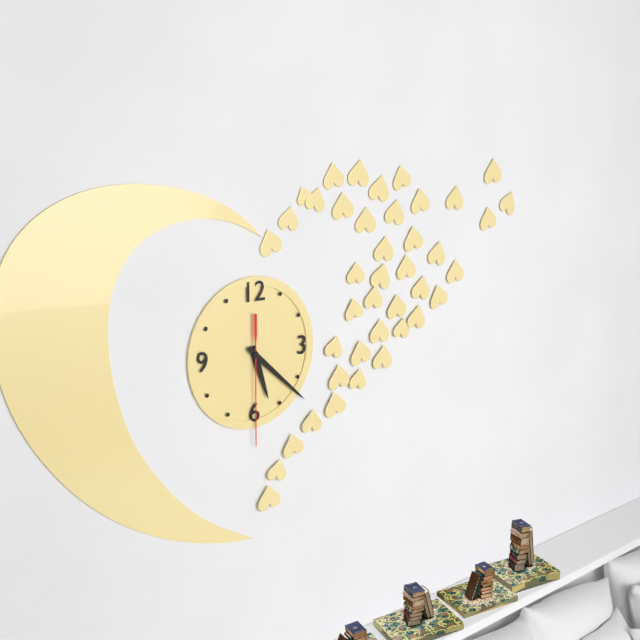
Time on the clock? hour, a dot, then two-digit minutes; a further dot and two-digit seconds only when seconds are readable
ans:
5.22.30
